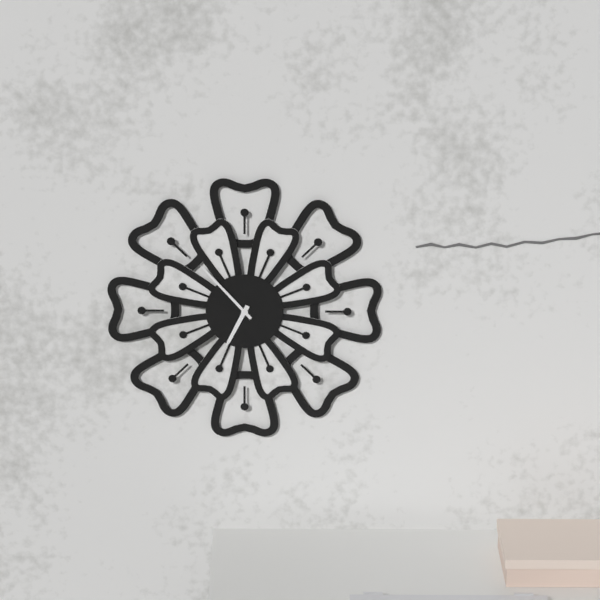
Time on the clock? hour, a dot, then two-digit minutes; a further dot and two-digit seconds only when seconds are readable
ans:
6.53
